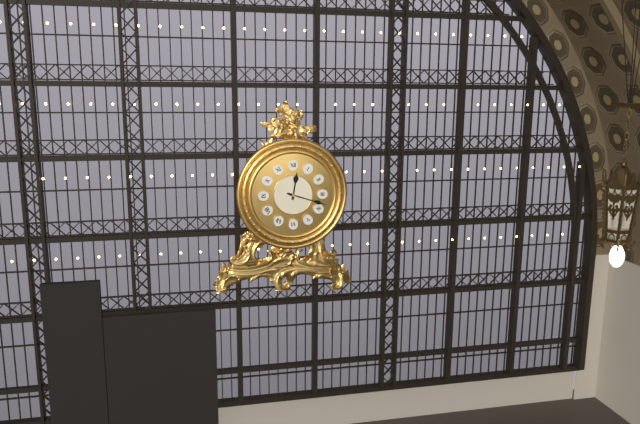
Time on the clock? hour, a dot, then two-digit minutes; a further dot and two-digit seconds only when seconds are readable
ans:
12.18
